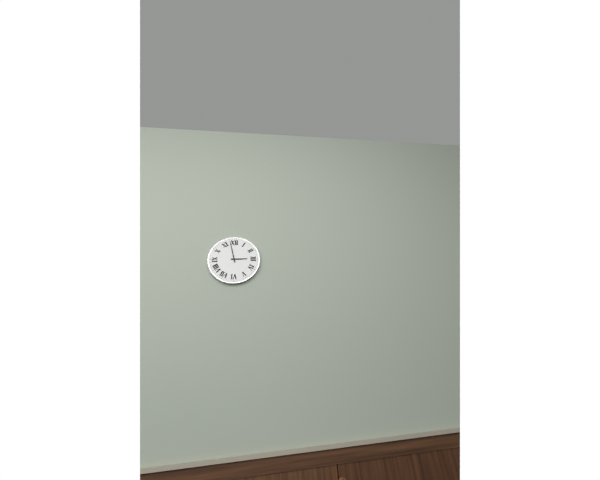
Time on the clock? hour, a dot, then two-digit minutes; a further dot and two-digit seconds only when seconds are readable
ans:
2.58
